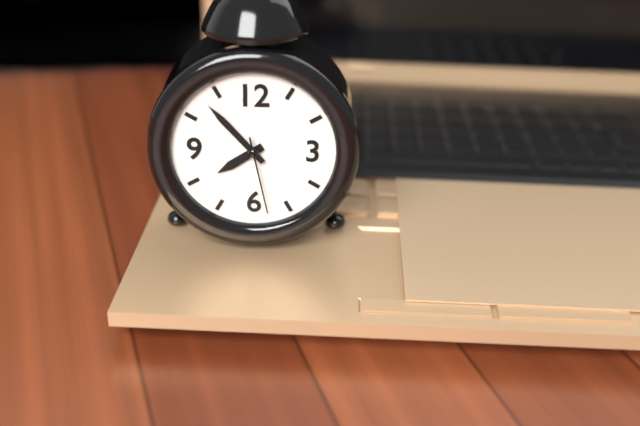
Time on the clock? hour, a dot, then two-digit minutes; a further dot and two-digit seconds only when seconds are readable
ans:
7.53.28
